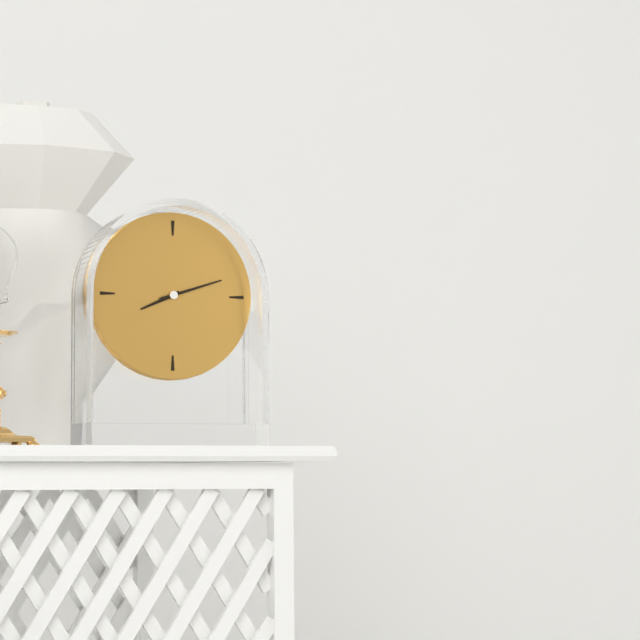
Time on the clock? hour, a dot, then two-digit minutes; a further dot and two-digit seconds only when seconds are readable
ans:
8.12
